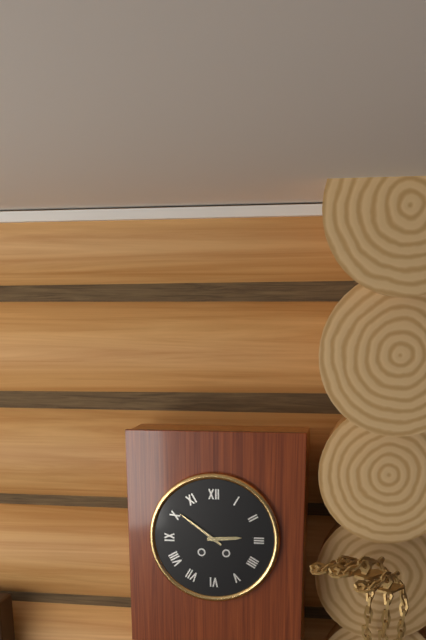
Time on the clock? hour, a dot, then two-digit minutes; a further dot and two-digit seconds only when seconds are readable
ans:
2.51
